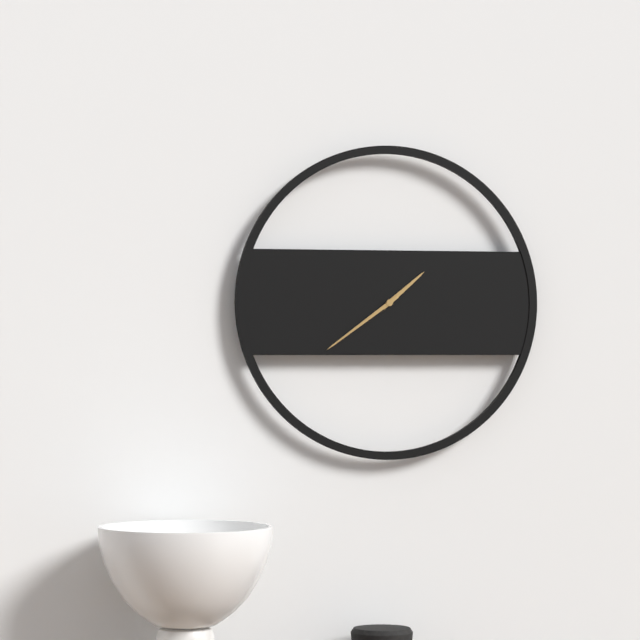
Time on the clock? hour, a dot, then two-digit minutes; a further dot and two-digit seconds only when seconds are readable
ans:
1.39
